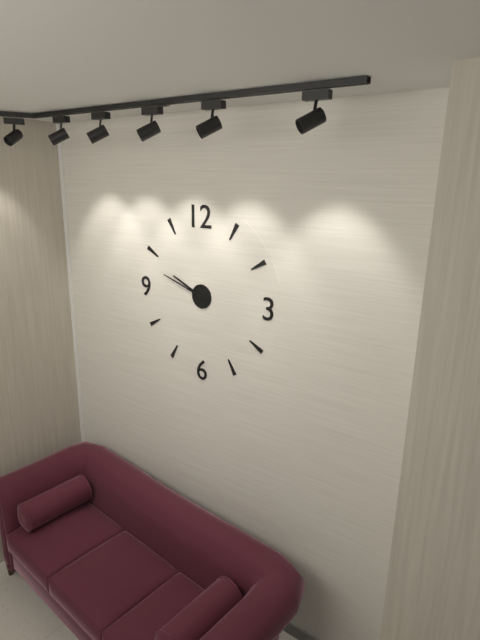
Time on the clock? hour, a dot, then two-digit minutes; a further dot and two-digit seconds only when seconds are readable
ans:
9.48
